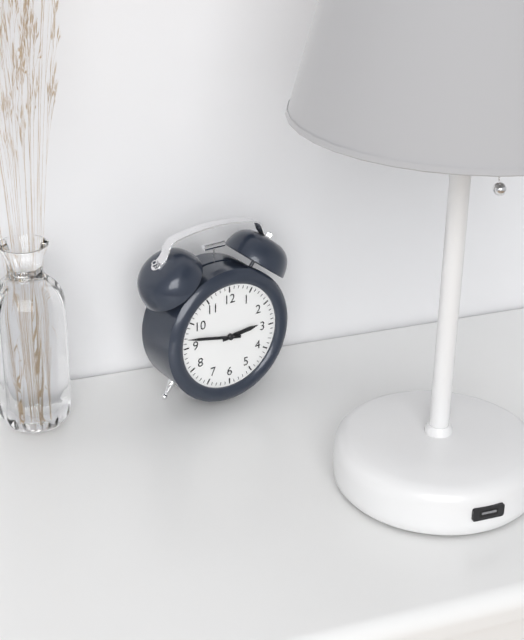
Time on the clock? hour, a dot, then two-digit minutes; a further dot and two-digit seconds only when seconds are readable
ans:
2.47
